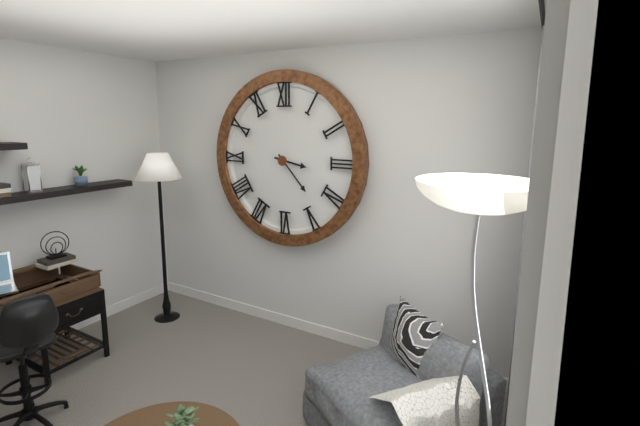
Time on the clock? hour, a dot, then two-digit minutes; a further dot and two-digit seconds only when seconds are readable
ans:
3.23
